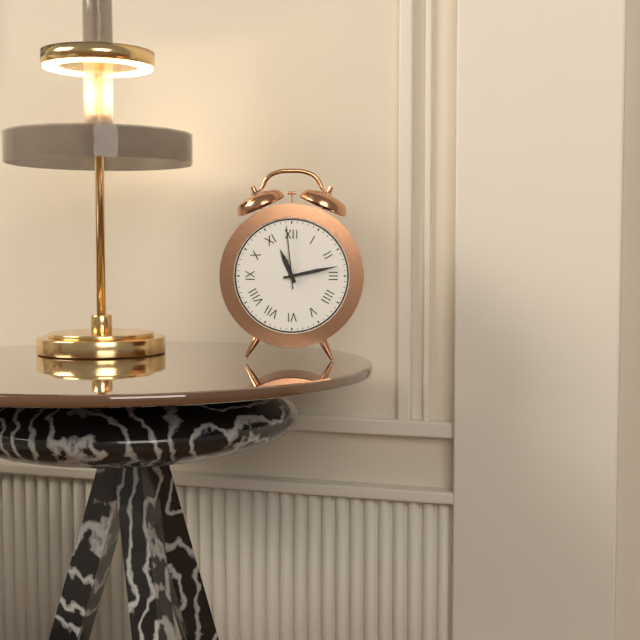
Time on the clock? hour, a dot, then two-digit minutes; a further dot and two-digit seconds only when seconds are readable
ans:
11.13.59
